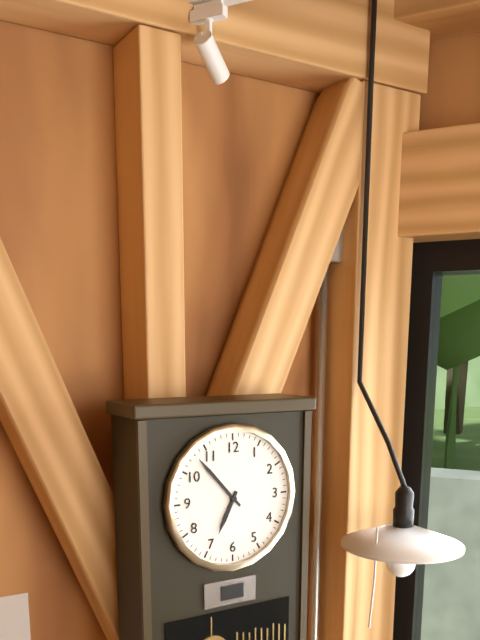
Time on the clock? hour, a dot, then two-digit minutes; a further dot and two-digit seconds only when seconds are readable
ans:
6.53
